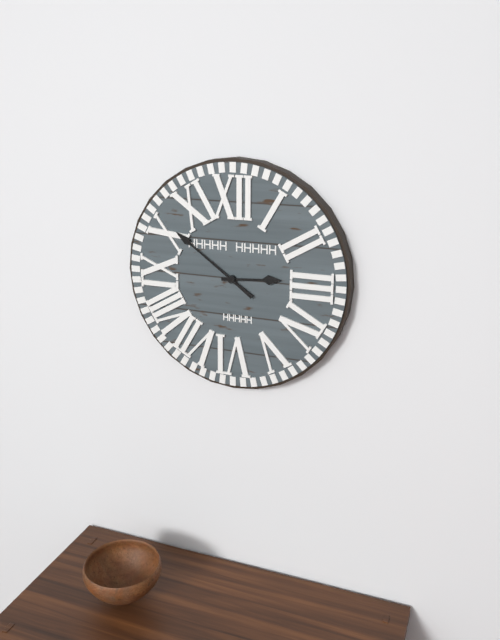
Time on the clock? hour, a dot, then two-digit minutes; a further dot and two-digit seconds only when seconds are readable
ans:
2.51
